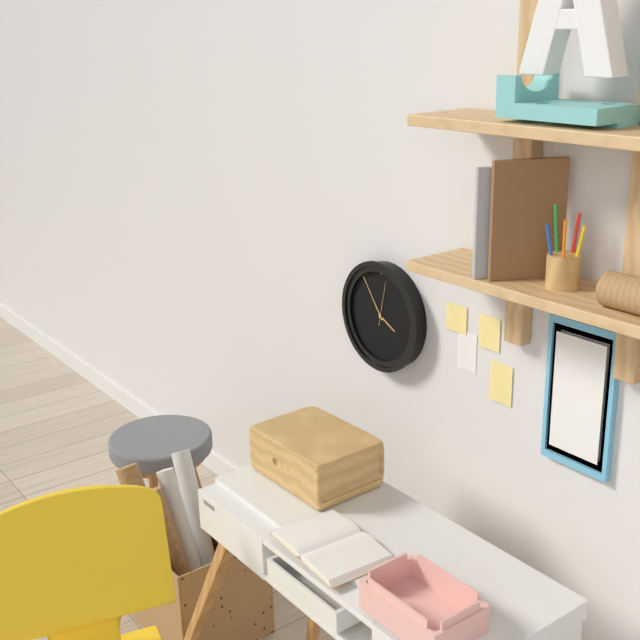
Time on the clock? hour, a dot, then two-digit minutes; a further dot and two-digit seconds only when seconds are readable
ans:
3.54
